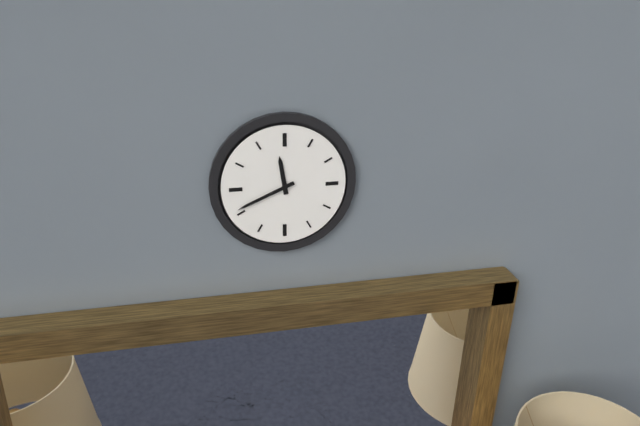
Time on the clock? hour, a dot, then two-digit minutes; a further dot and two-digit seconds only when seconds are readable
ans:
11.41
